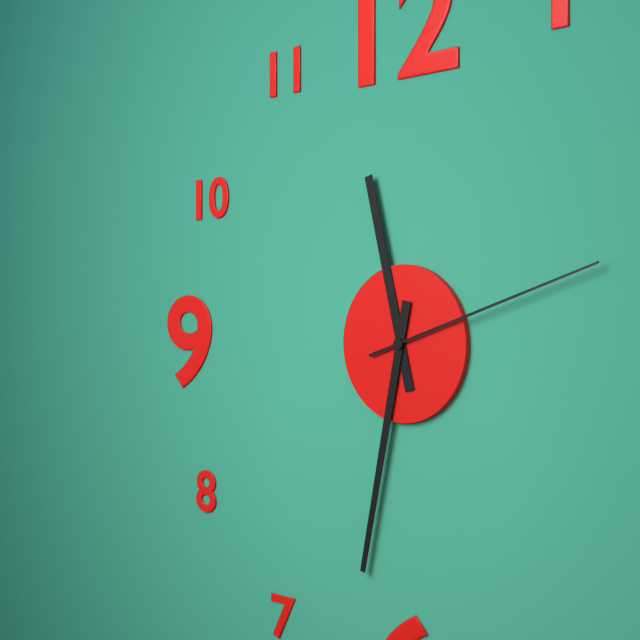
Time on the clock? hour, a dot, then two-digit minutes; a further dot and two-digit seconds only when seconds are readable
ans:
11.32.12
